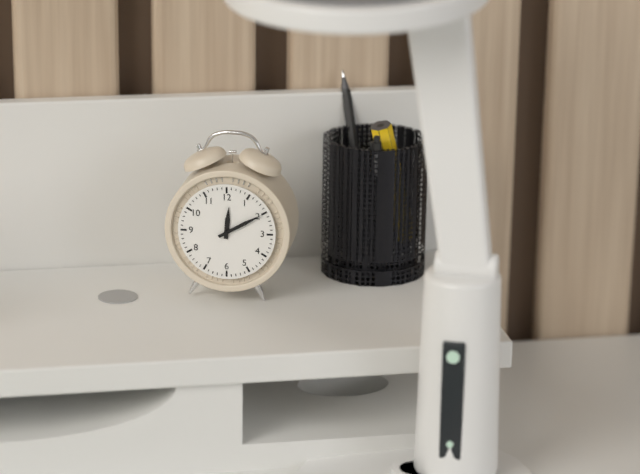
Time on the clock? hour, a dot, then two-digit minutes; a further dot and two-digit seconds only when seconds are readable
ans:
12.10
